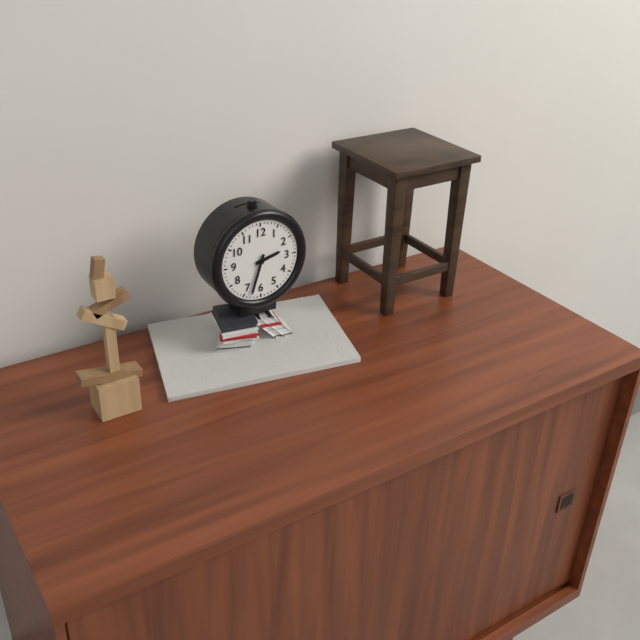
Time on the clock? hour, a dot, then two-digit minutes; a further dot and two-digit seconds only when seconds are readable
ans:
2.33
